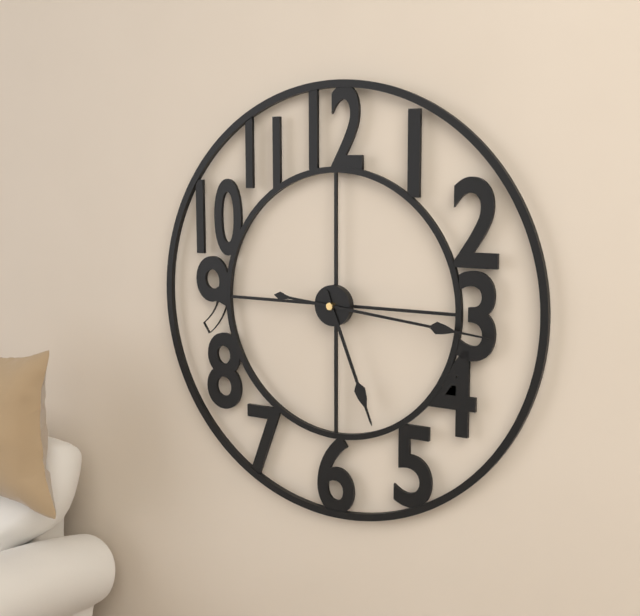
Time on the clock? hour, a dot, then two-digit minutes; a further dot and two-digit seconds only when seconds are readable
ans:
5.16
